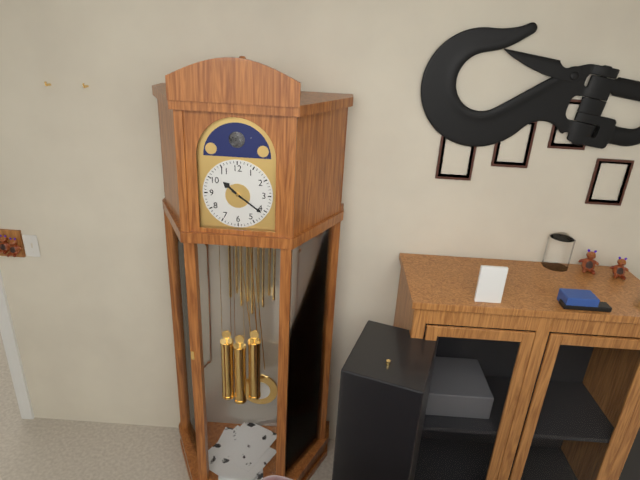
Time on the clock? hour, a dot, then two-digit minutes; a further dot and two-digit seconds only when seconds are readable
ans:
10.21
